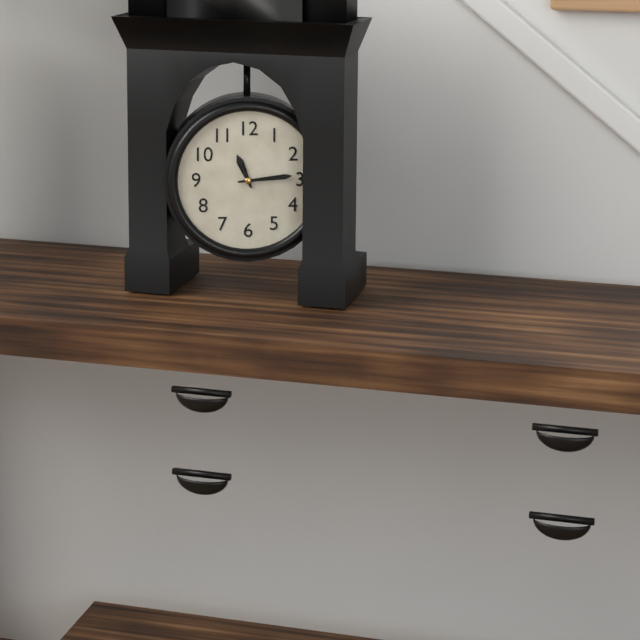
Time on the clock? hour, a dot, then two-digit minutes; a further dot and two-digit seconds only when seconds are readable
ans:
11.14
